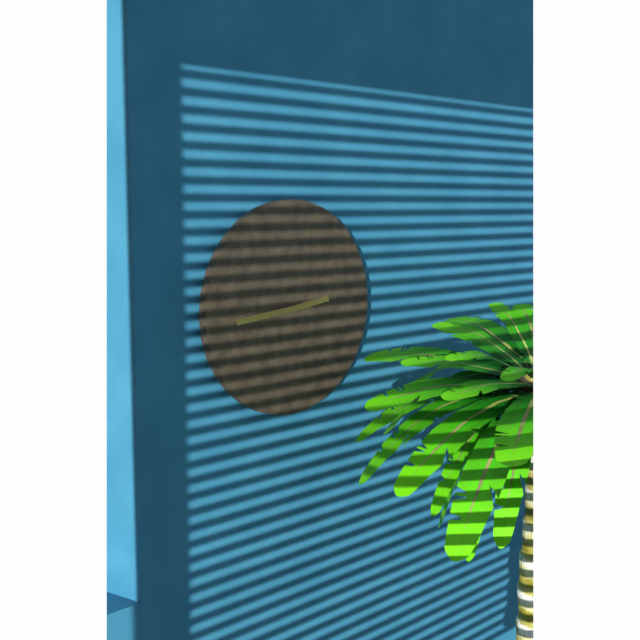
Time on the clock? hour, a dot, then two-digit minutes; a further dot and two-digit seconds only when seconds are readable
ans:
2.44
